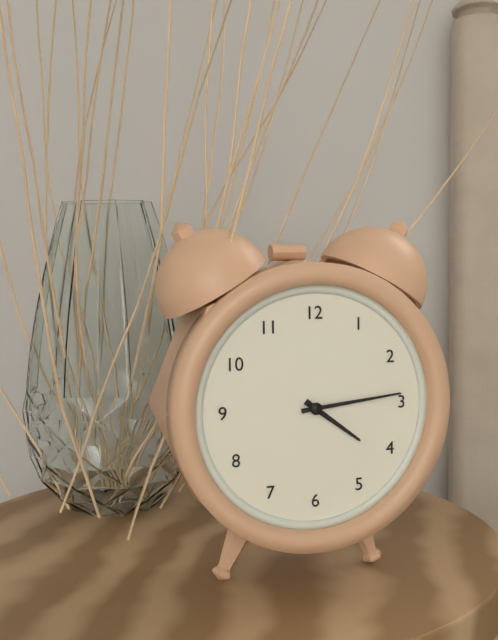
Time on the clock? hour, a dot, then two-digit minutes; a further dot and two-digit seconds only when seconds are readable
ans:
4.14
